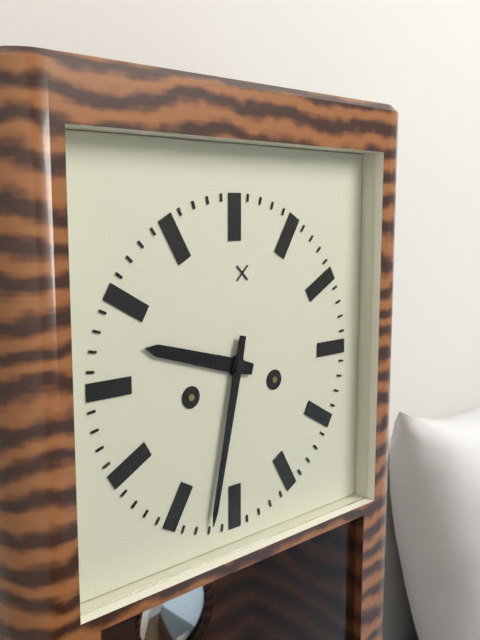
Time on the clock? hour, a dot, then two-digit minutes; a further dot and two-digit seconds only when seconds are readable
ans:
9.32
